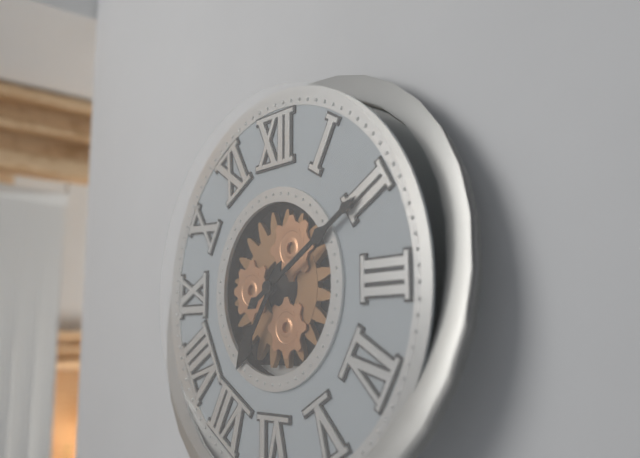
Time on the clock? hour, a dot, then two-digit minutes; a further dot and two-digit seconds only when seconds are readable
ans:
7.10
